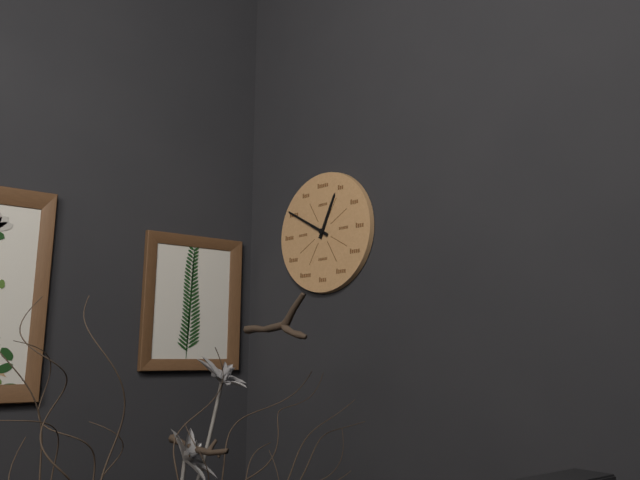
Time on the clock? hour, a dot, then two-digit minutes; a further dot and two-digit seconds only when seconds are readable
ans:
12.50
